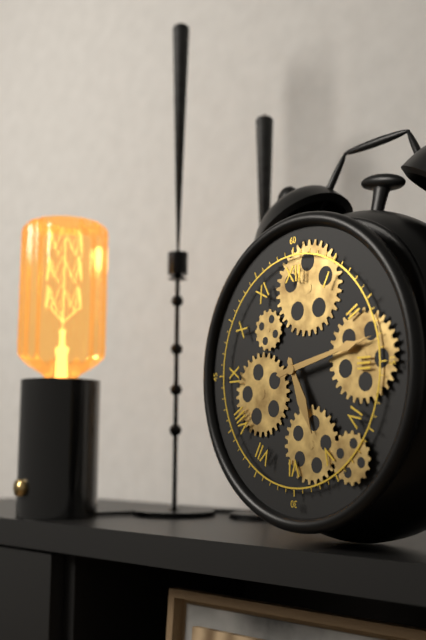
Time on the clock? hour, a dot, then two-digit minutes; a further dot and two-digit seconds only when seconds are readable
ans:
5.13
